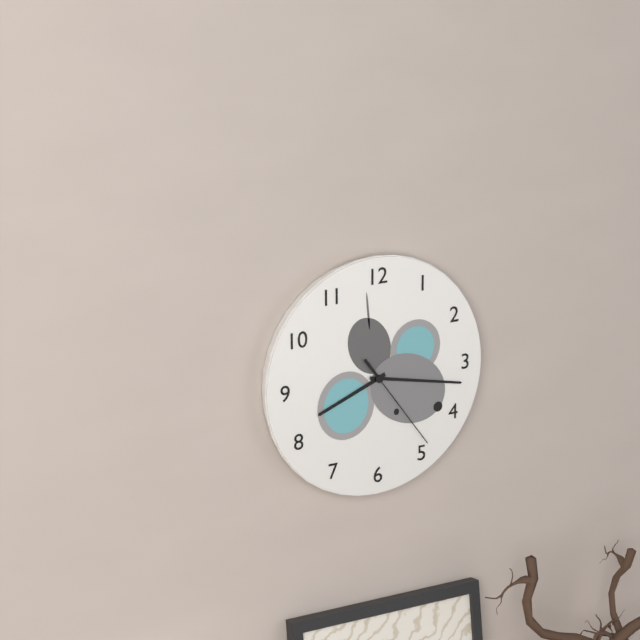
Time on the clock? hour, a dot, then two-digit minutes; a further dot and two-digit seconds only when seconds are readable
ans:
8.17.24
